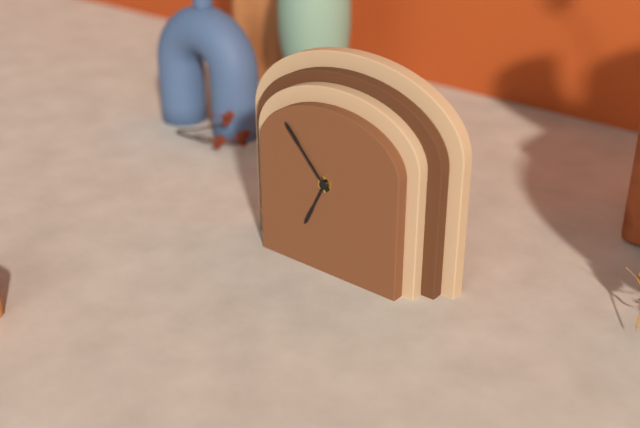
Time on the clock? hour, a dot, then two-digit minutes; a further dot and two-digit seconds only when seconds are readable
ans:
6.53
